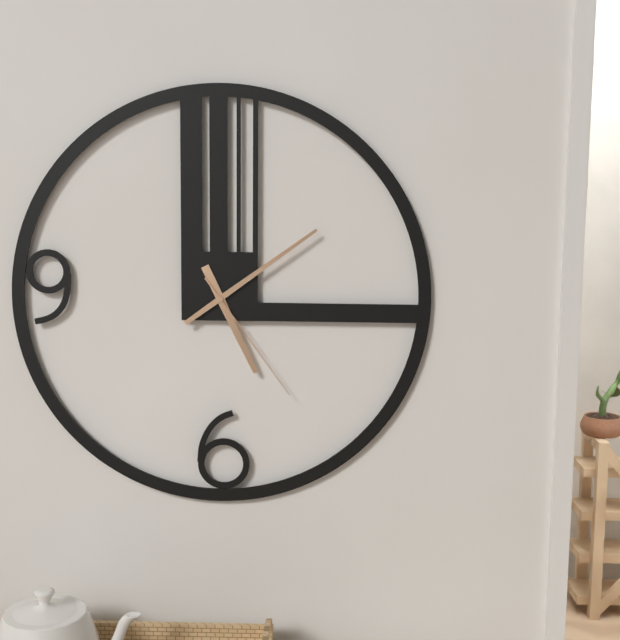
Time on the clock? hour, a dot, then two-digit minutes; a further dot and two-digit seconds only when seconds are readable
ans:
5.09.24
